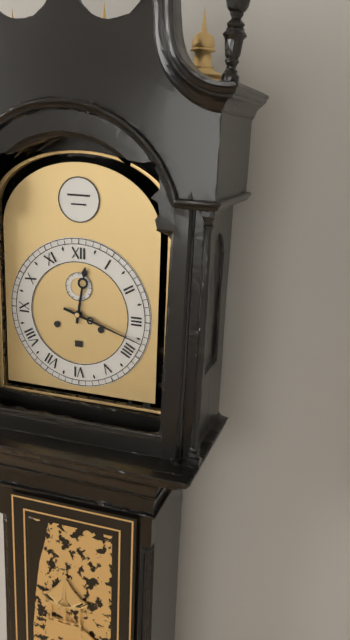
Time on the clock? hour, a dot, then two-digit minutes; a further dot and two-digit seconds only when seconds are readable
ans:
12.18
